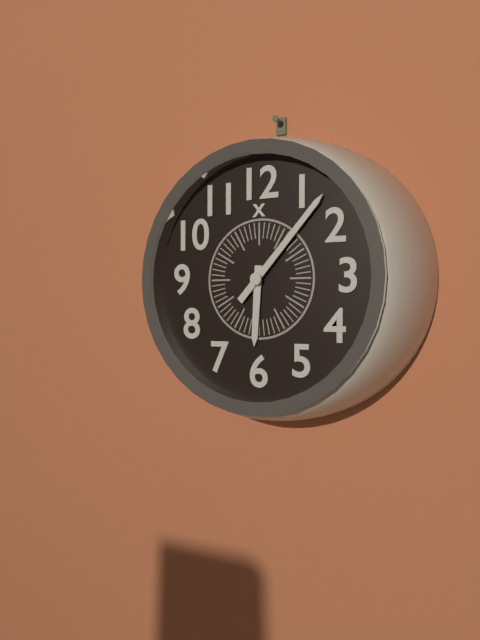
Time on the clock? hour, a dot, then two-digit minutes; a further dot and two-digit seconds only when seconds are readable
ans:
6.07
